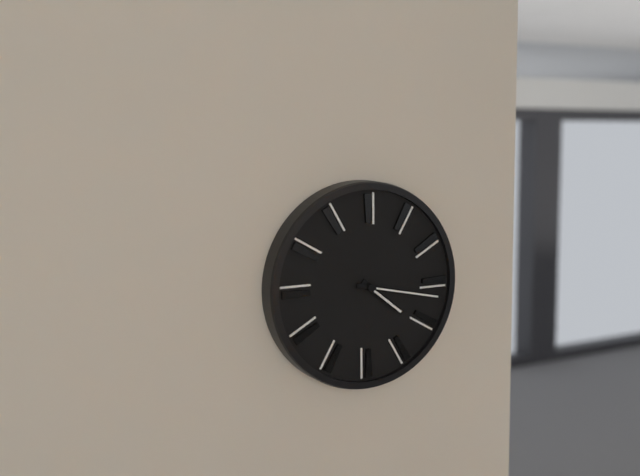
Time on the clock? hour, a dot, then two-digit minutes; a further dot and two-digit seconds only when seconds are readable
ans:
4.17
